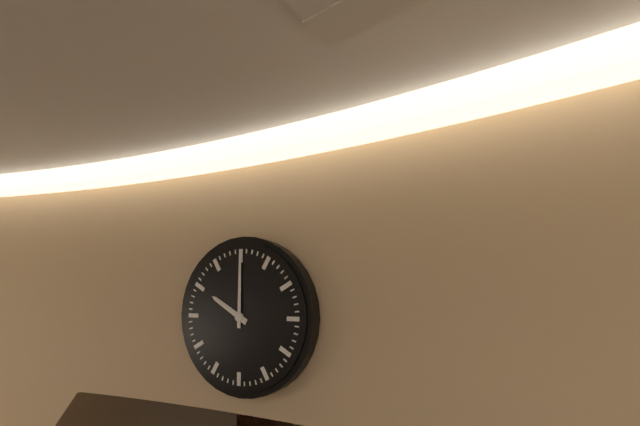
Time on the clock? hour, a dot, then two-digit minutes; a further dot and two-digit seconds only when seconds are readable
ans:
10.00
